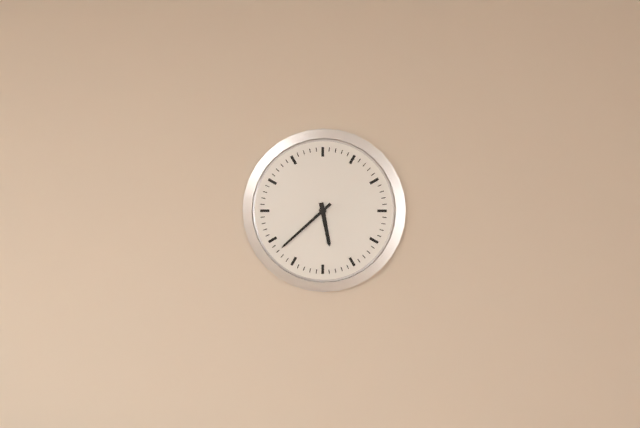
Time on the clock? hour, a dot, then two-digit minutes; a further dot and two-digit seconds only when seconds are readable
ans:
5.38
